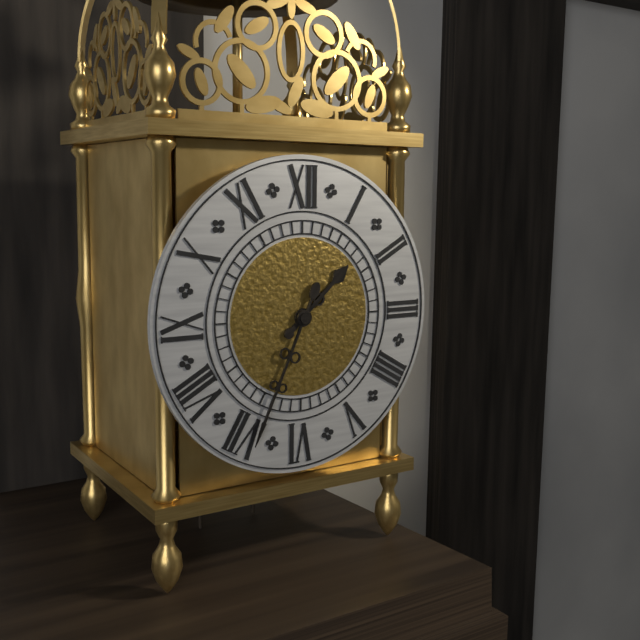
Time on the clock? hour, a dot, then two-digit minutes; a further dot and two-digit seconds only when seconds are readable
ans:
1.34
